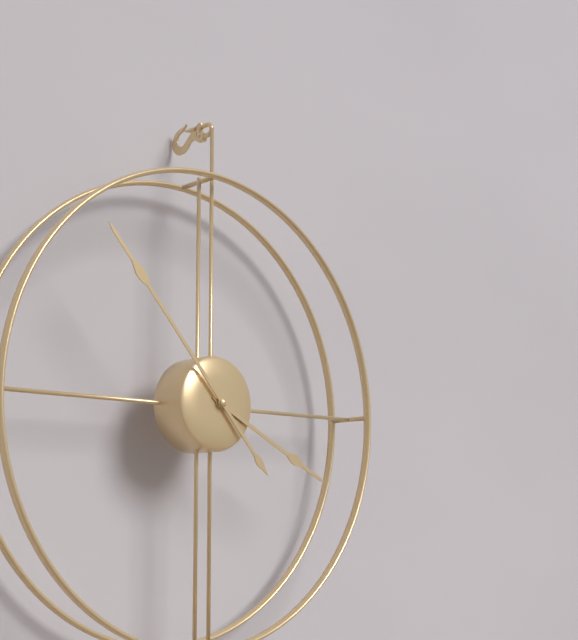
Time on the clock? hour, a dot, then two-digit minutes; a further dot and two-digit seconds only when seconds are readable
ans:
3.53
